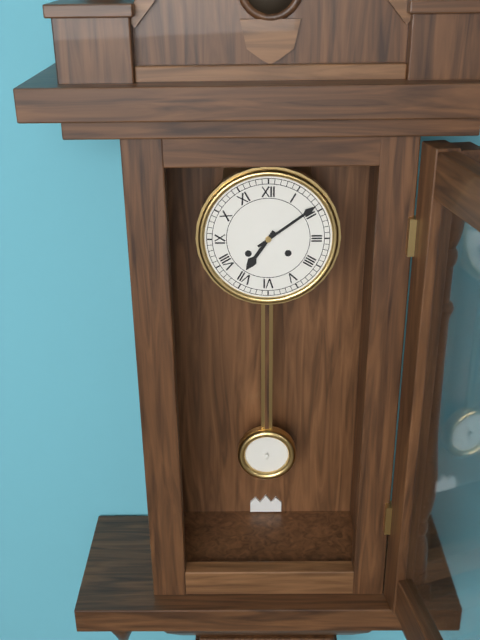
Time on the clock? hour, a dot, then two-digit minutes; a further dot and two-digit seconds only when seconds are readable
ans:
7.09
